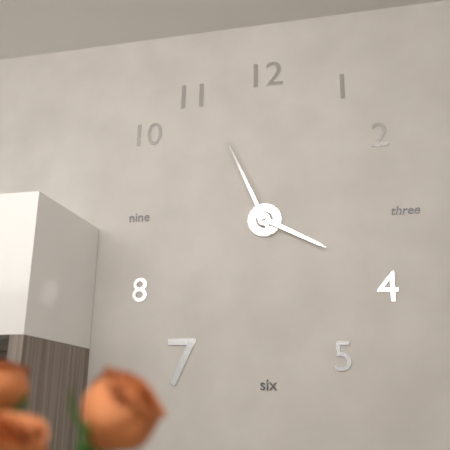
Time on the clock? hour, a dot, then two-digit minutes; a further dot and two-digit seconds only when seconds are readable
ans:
3.56
